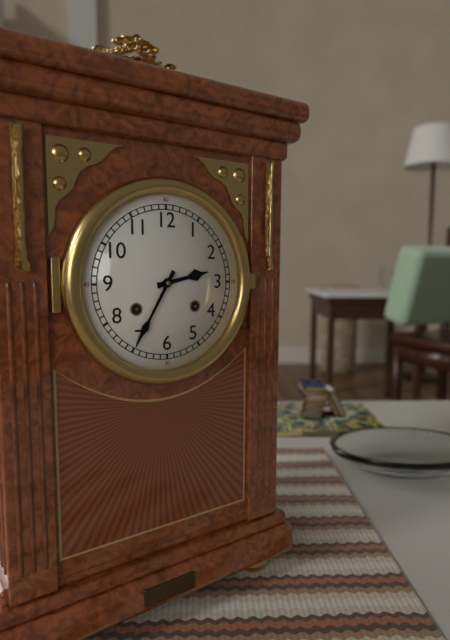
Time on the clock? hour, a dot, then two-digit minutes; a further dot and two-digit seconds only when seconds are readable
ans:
2.35
